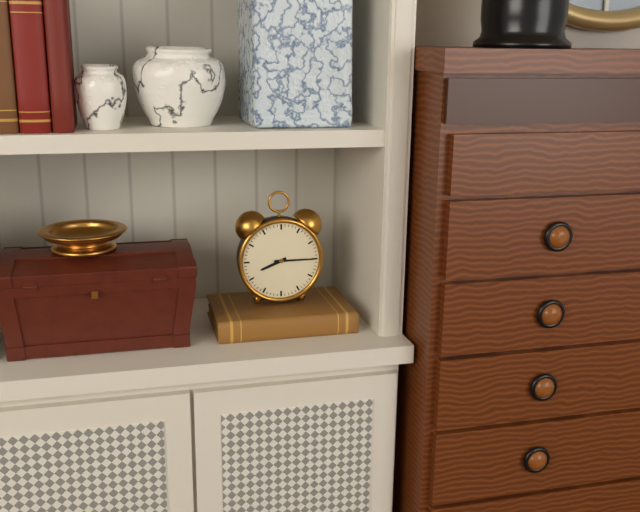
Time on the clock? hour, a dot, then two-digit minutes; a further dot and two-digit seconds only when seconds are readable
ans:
8.15
